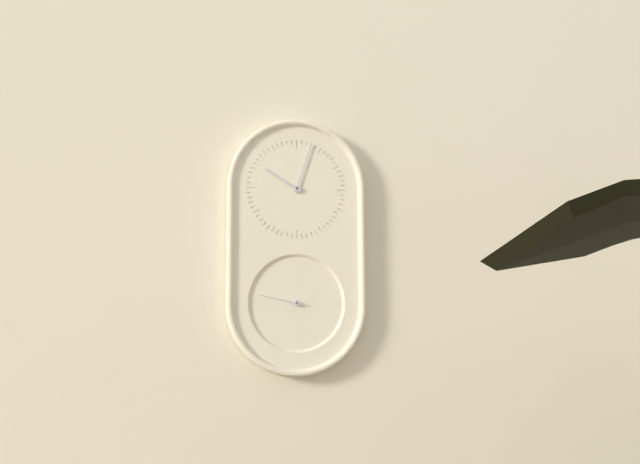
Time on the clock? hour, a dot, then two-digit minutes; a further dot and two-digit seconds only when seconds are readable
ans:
10.03
